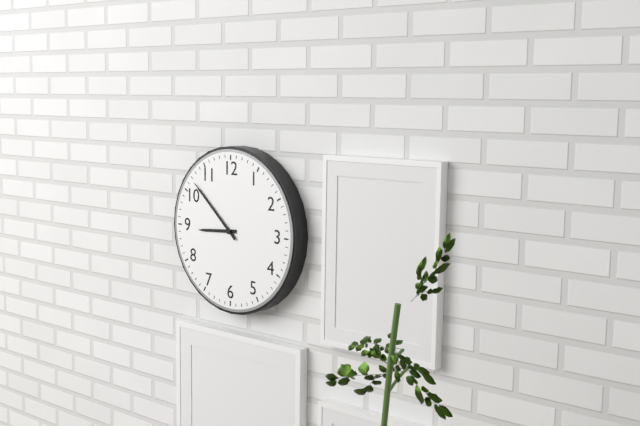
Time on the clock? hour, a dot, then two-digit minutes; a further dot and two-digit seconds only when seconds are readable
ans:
8.52
